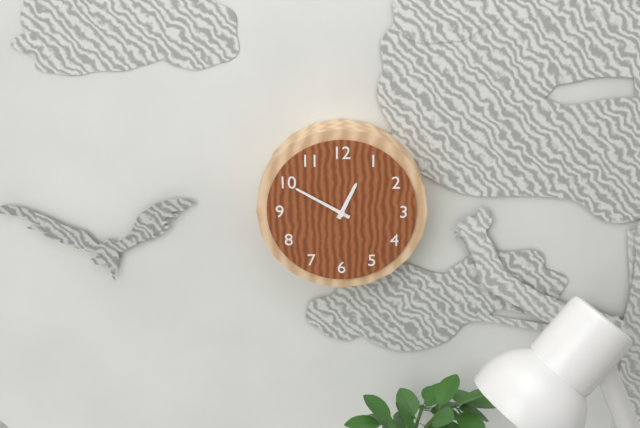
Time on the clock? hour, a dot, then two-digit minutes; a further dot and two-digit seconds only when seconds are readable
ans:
12.50
